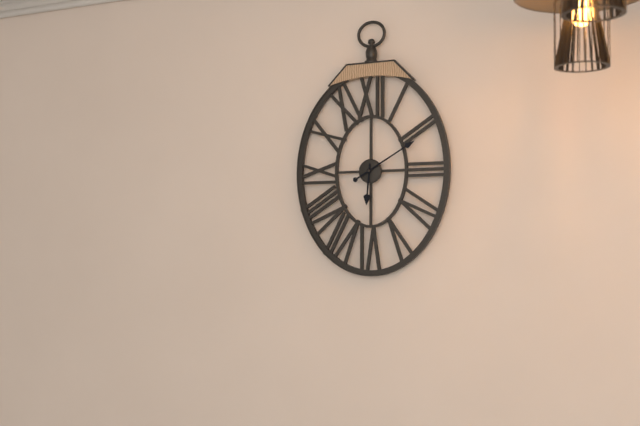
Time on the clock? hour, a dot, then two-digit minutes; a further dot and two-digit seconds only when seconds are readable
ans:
6.10
